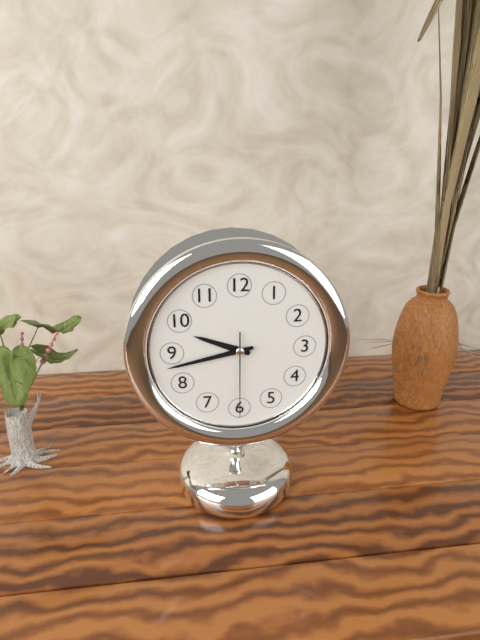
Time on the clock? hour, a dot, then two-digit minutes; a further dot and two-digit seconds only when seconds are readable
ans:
9.43.30
